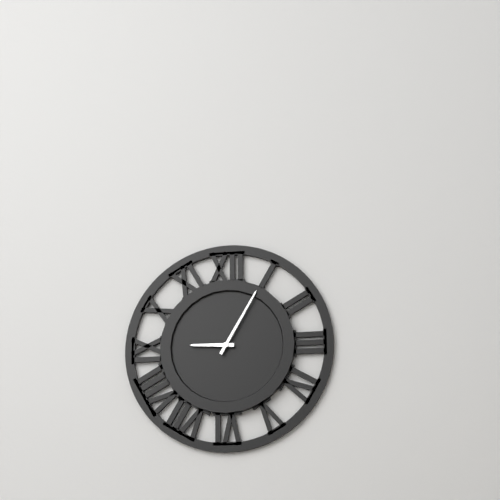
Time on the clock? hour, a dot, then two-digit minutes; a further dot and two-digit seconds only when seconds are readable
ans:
9.05
